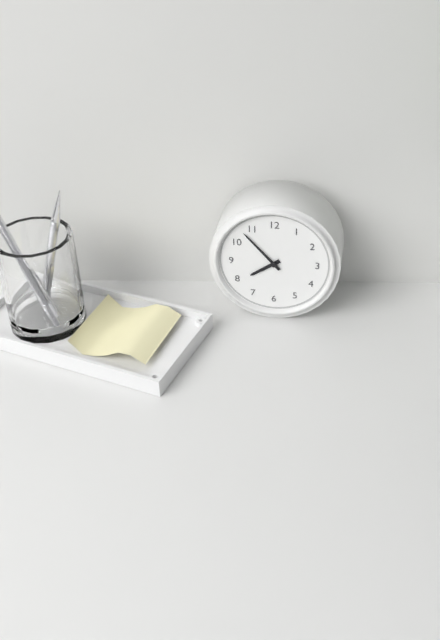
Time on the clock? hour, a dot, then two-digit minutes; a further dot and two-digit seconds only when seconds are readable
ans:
7.53
